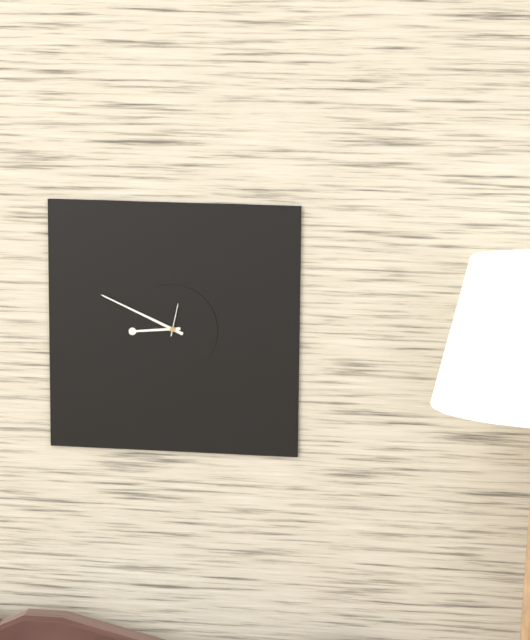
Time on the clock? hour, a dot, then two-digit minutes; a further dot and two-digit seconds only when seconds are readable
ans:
8.49
